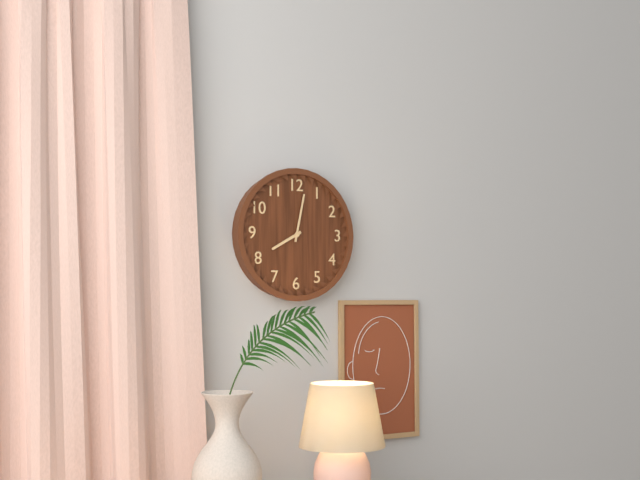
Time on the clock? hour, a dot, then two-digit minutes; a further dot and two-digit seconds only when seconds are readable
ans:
8.02
